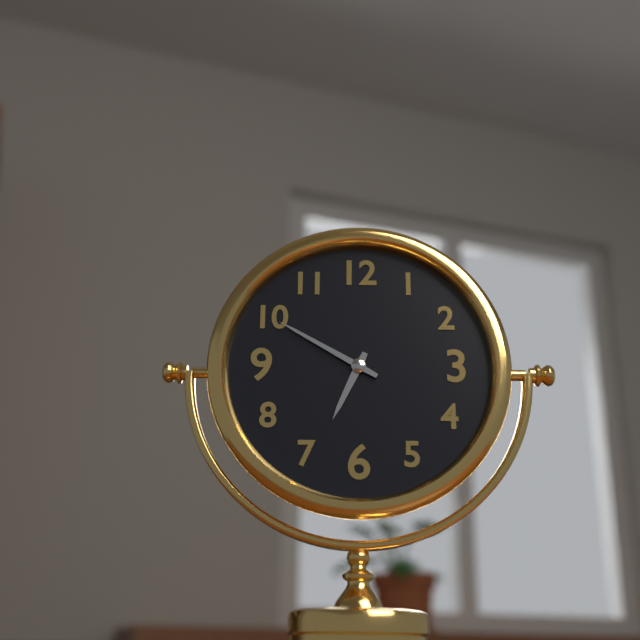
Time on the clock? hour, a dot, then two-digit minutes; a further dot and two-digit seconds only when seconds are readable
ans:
6.50
